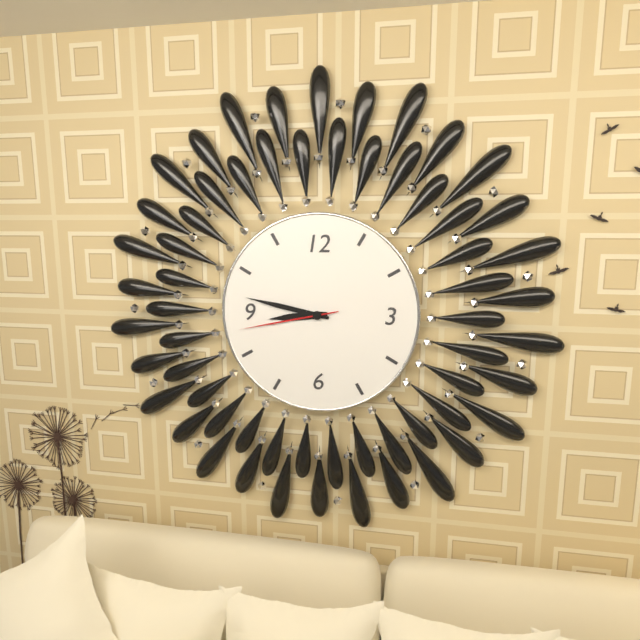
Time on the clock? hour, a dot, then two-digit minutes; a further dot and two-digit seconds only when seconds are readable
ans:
8.47.43
